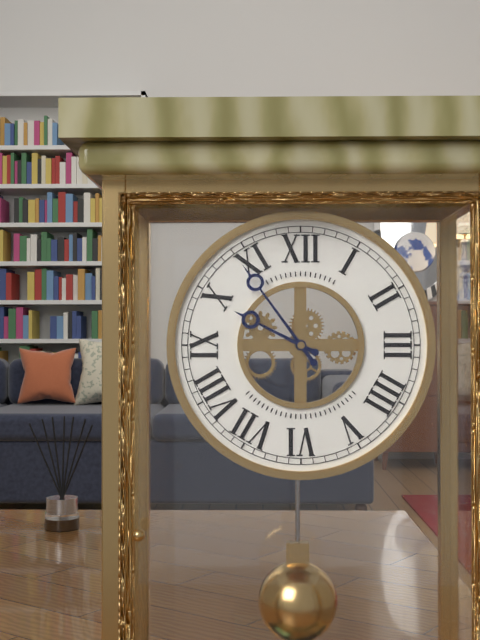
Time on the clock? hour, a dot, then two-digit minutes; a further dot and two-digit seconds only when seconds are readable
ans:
9.54
